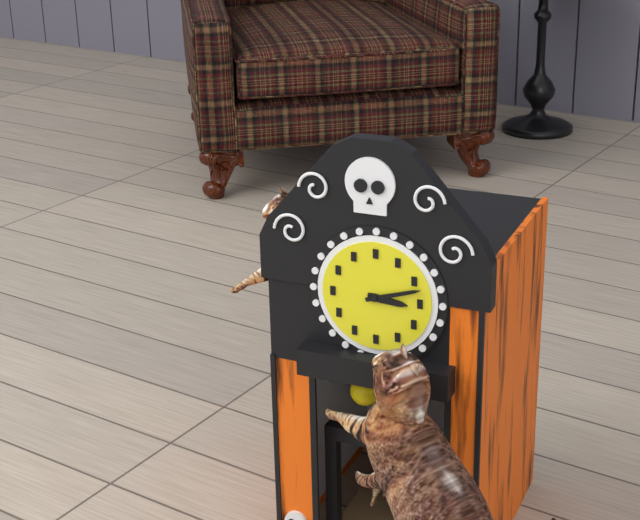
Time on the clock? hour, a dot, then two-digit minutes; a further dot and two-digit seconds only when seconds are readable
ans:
3.12
